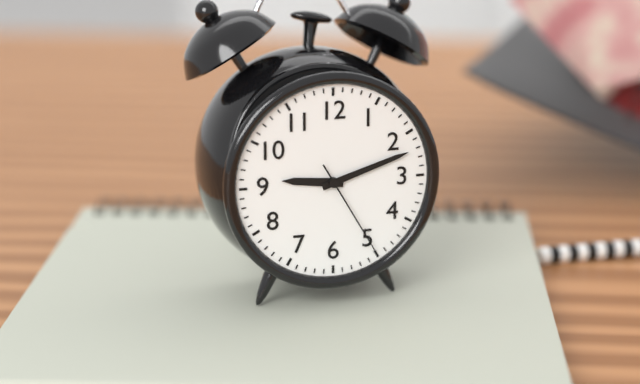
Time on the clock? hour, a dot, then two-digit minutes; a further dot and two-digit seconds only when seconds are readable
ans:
9.12.25
